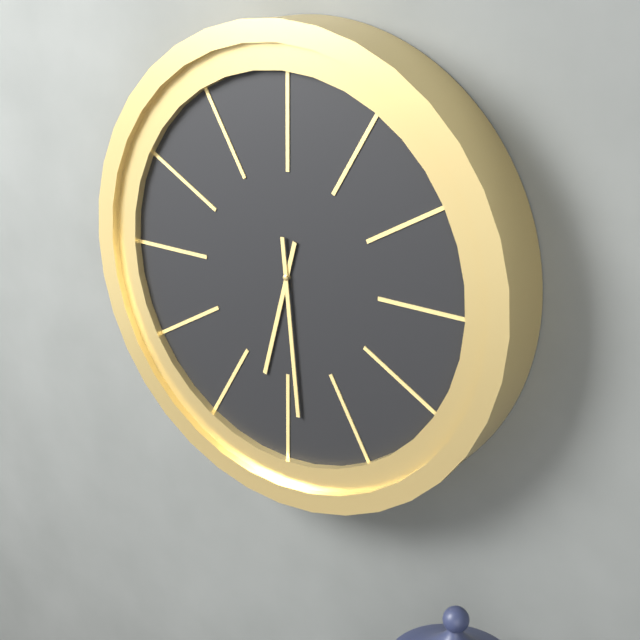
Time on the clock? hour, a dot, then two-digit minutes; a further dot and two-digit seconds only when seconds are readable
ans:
6.29
